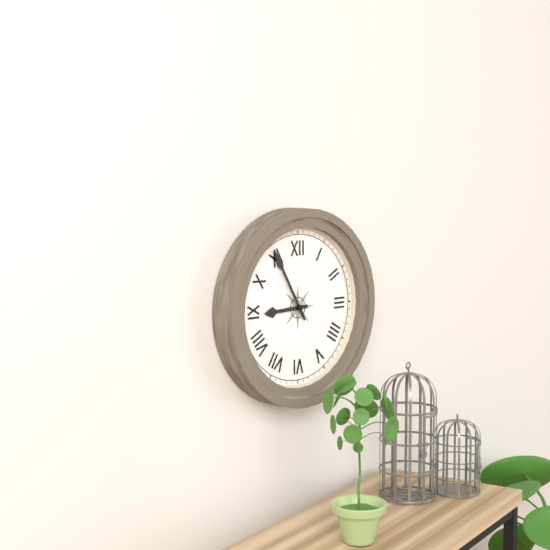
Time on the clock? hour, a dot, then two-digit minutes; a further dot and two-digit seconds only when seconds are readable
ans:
8.55
